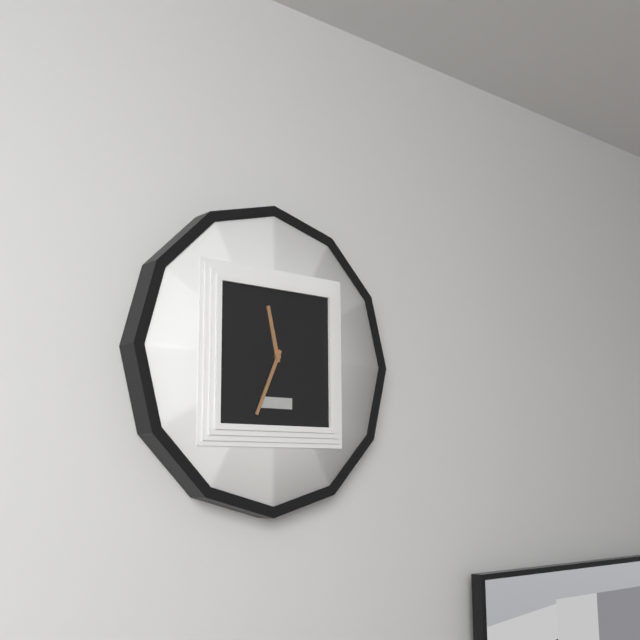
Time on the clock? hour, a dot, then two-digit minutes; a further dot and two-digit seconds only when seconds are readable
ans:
11.34
